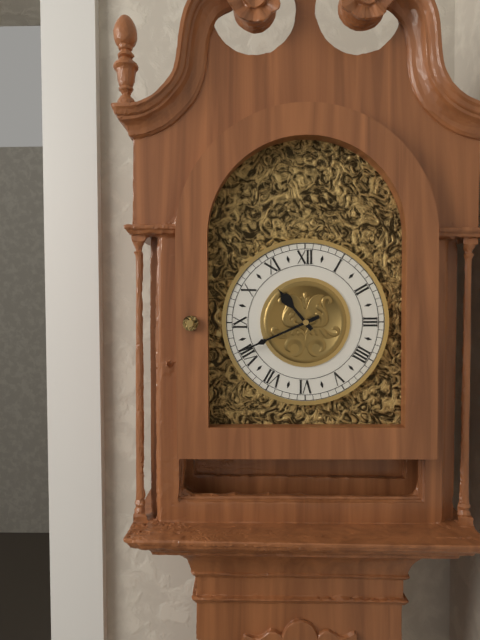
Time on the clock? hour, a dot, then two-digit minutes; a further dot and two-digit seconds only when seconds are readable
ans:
10.41
